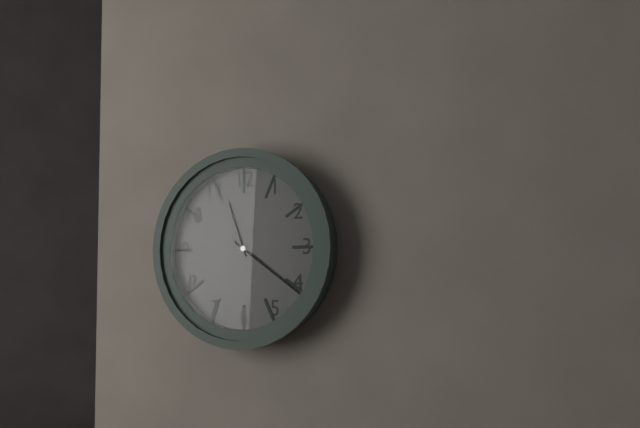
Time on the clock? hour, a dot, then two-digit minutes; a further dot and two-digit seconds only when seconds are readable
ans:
11.21
